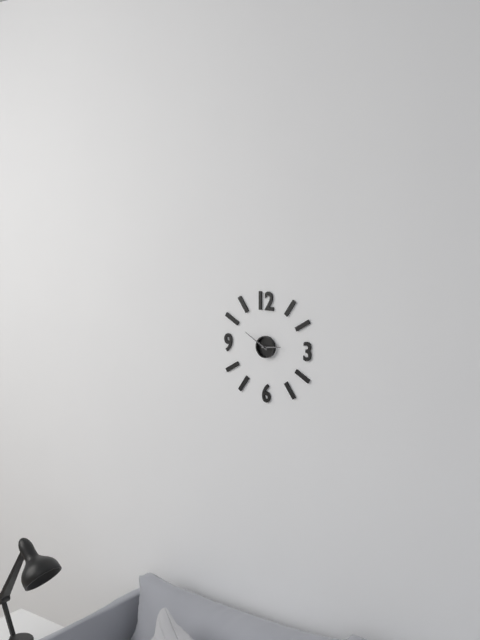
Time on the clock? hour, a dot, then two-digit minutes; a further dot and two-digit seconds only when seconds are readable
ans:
2.50
